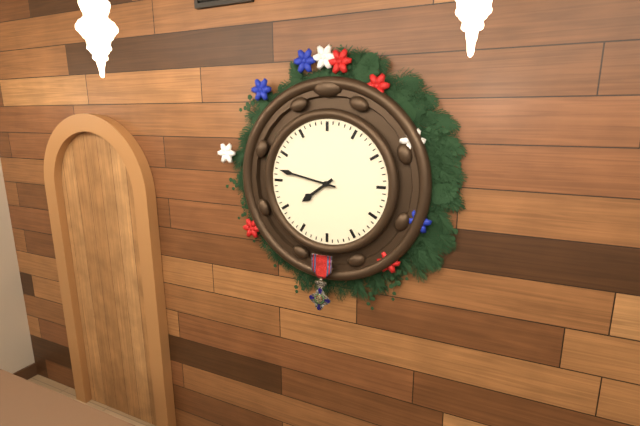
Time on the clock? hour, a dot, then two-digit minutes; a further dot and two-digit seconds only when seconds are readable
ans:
7.47
